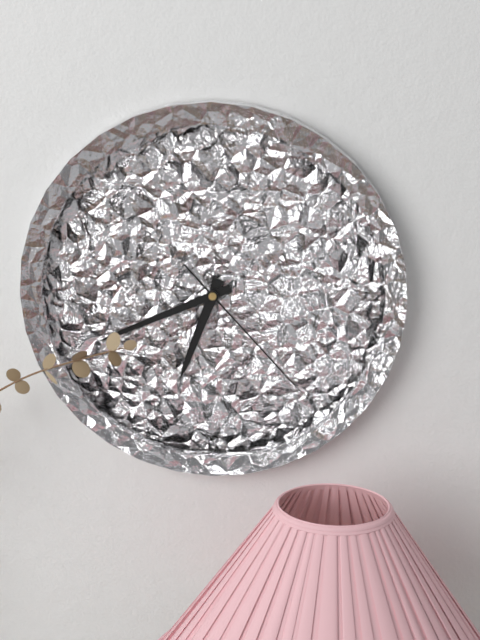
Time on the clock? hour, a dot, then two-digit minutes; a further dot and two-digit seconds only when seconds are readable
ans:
6.41.23
